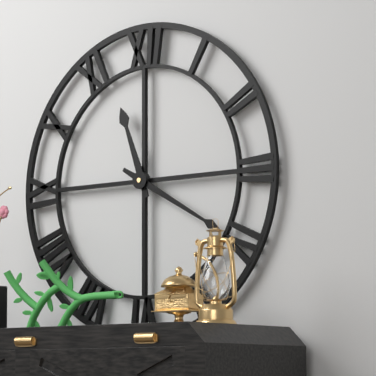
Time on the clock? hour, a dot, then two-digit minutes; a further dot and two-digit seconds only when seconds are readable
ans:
11.20
